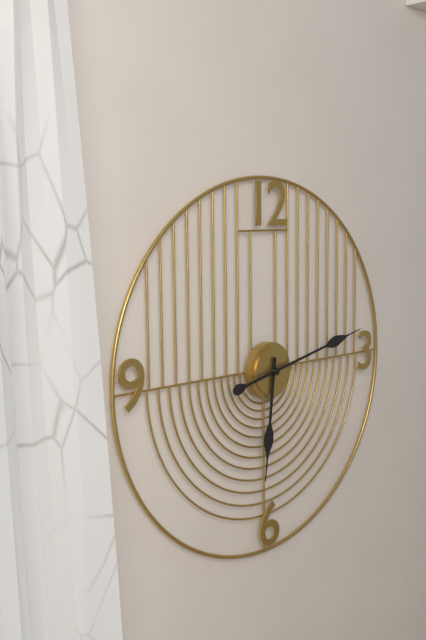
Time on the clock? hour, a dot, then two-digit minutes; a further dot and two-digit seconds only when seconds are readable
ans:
6.13
